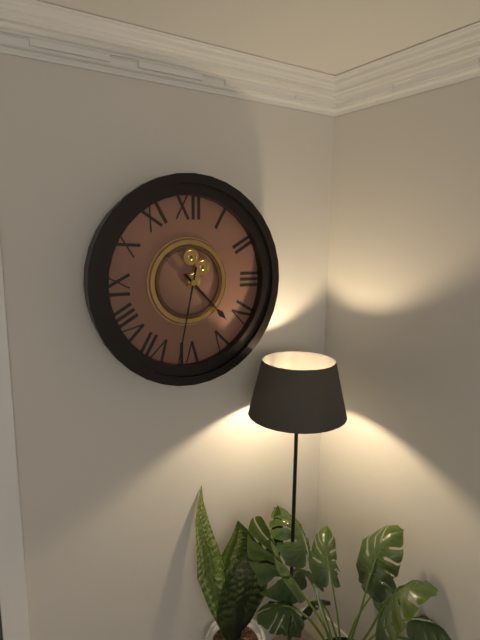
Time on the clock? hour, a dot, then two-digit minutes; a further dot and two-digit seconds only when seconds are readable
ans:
4.32
